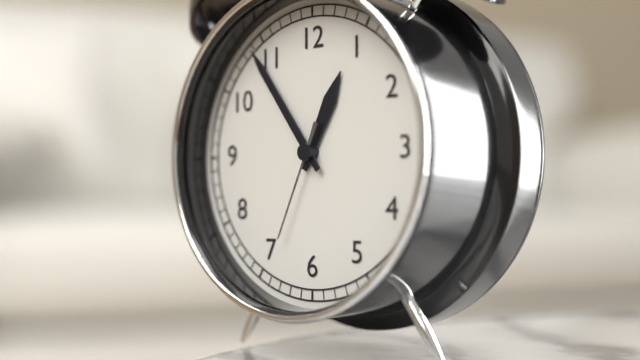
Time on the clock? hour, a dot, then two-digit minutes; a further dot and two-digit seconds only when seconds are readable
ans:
12.54.34
